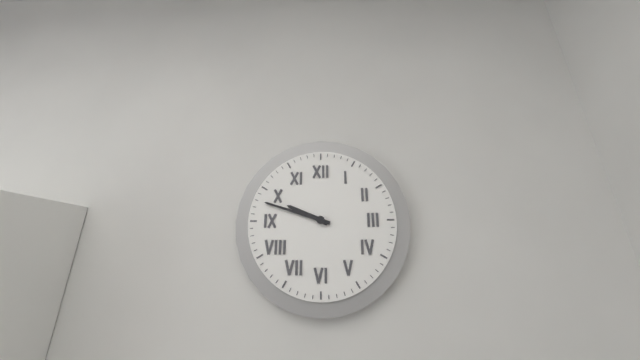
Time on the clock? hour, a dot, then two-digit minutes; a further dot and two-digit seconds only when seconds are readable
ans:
9.48
